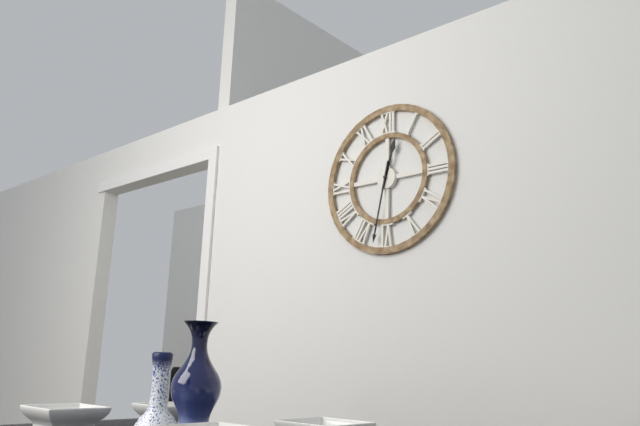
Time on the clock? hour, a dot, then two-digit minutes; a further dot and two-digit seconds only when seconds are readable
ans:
12.32
